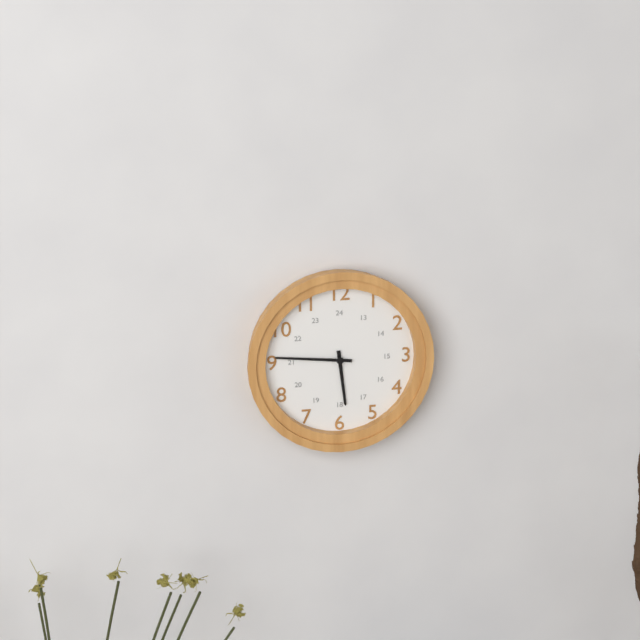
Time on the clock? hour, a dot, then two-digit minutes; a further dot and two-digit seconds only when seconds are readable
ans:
5.46
